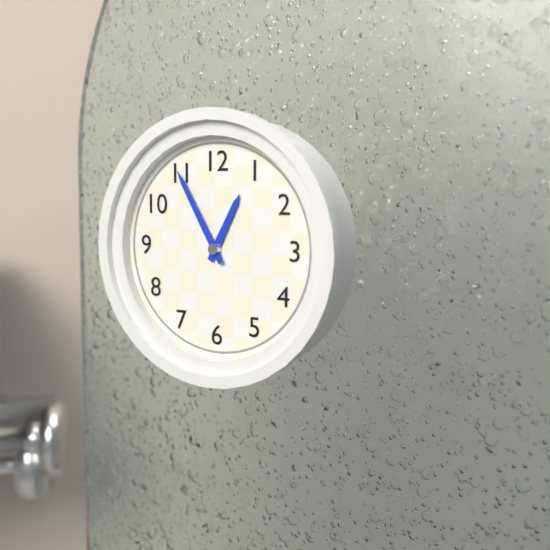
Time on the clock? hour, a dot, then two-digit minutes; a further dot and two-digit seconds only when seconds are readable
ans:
12.55
